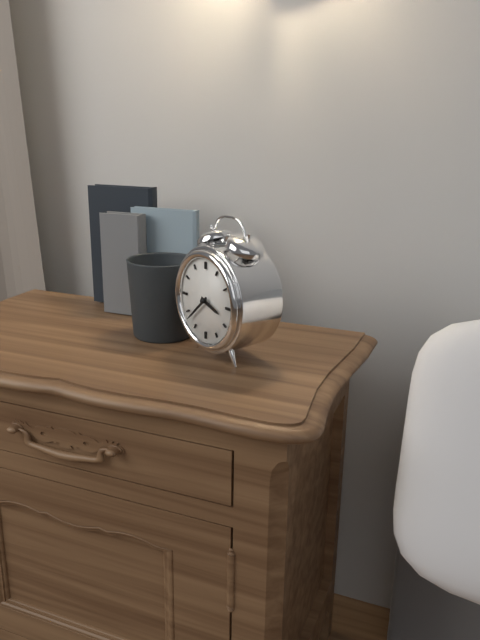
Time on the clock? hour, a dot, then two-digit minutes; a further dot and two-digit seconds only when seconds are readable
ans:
3.38
